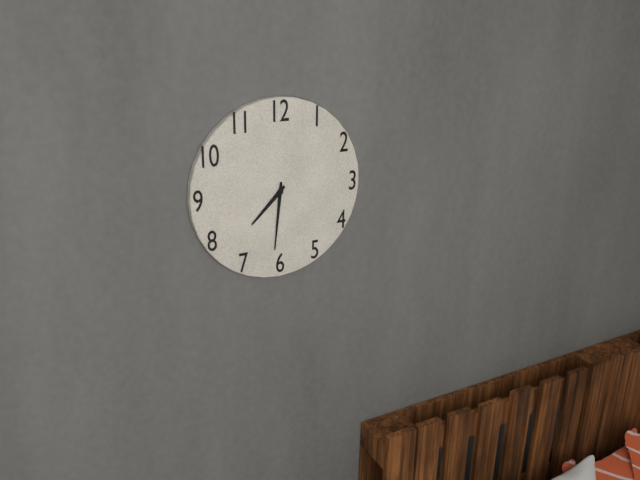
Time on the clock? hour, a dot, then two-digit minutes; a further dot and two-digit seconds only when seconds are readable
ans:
7.31
